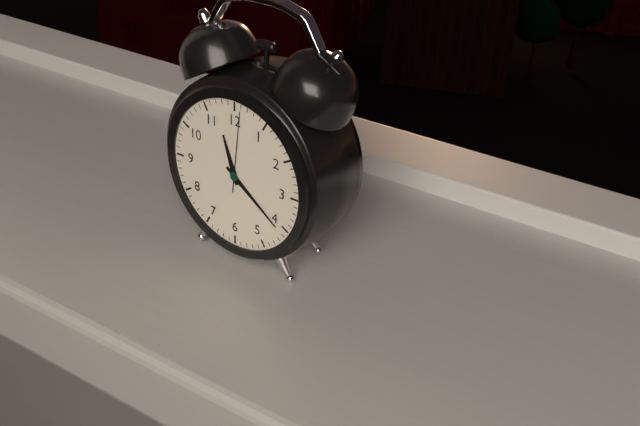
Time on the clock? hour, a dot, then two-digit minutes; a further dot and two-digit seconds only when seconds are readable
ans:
11.21.01
